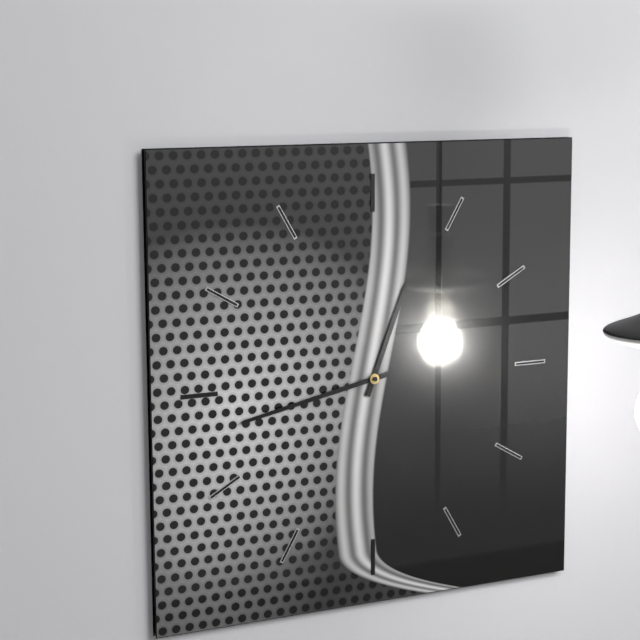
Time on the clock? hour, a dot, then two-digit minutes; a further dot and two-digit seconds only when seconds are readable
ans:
12.43
